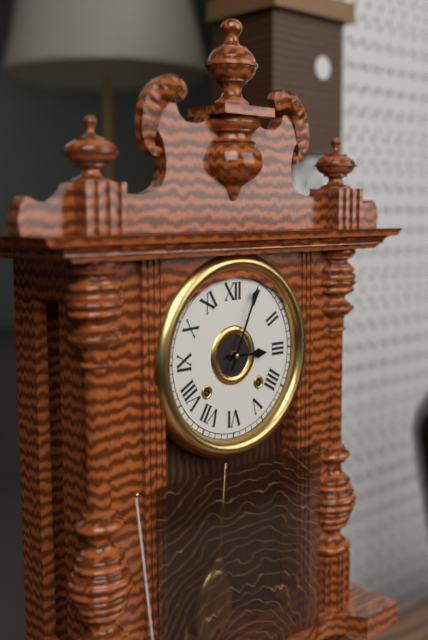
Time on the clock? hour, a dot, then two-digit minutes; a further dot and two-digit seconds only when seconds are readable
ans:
3.04
